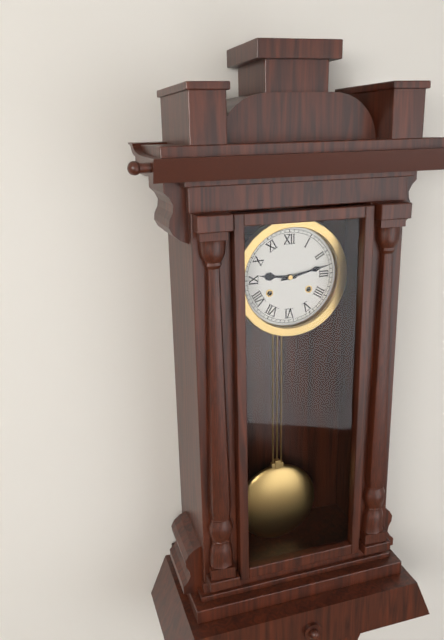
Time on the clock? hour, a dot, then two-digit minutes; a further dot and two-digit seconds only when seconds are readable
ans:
9.13
